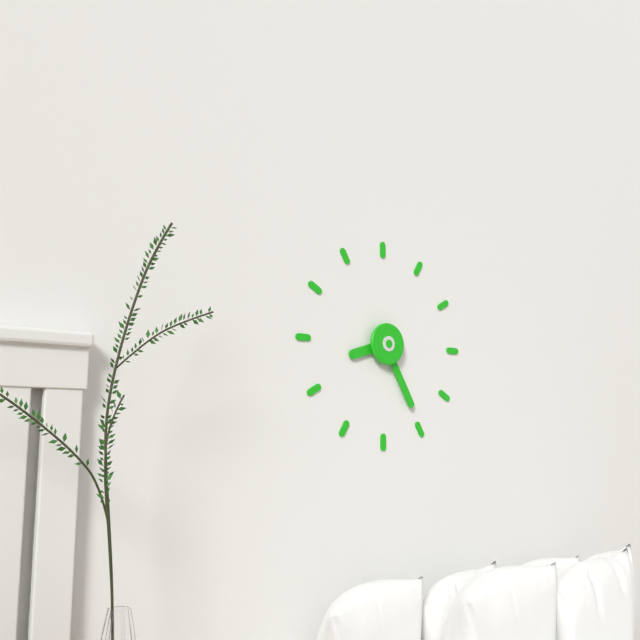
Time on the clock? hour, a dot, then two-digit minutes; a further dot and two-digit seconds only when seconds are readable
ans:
8.25
